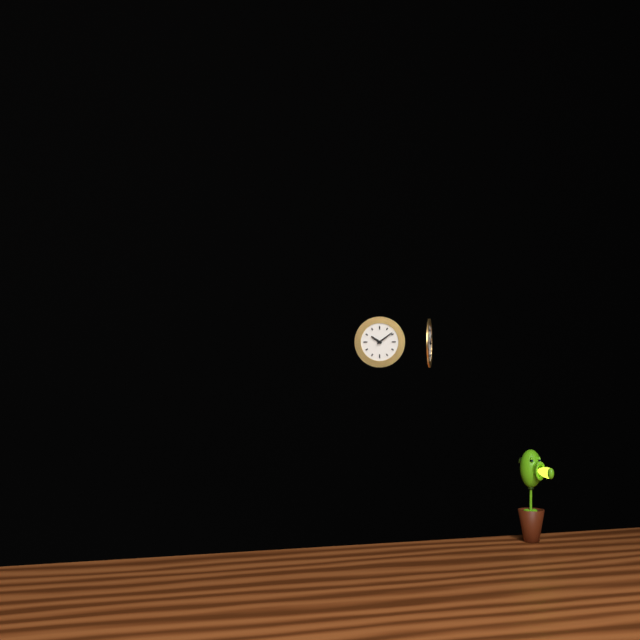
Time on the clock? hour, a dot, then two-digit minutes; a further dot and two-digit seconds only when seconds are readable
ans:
10.09
